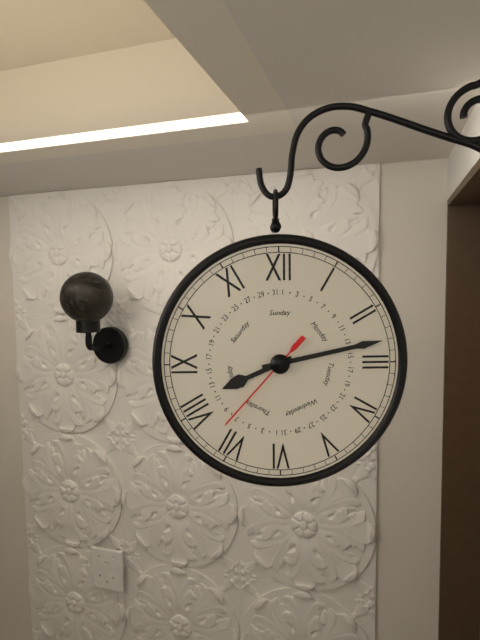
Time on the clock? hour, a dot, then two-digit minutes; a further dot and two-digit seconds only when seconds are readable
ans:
8.13.37
